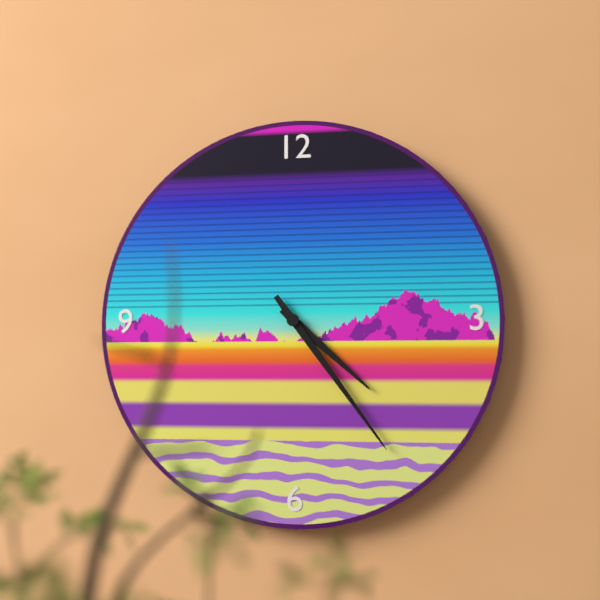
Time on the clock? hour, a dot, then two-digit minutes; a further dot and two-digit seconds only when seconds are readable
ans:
4.24
